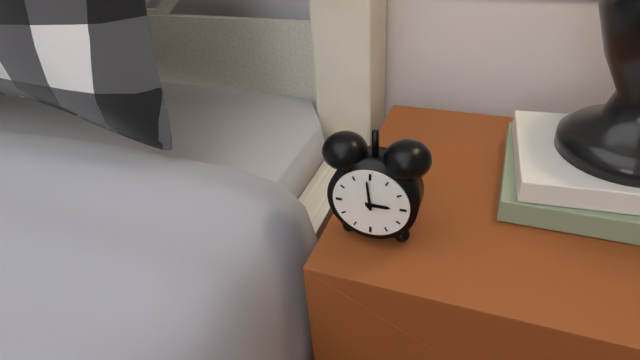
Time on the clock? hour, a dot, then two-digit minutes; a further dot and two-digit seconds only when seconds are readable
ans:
2.59
